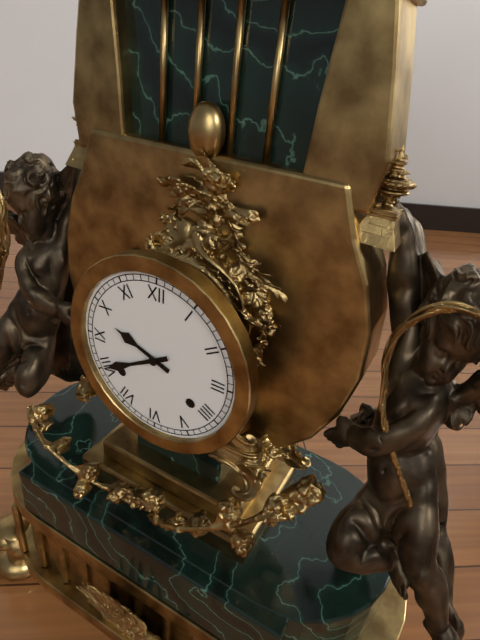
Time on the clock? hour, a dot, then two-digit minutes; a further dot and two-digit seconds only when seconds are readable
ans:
9.40
